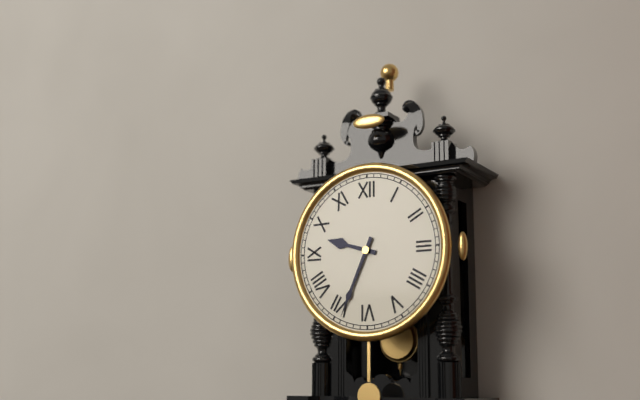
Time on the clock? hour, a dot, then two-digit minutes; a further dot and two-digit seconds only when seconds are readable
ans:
9.34
